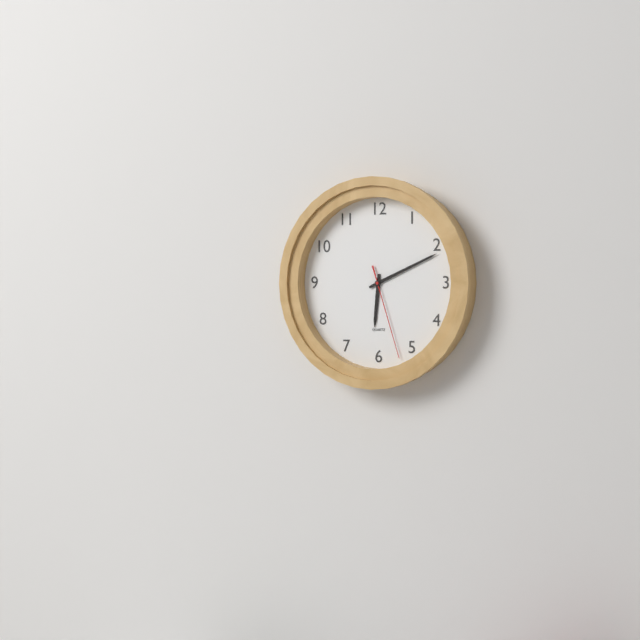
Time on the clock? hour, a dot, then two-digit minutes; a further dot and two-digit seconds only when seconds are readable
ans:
6.11.27
